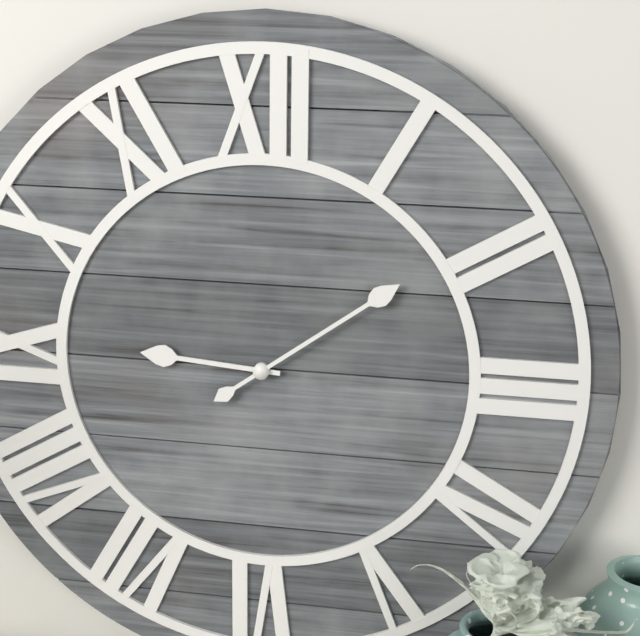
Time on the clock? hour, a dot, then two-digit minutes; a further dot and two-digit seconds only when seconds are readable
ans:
9.09
